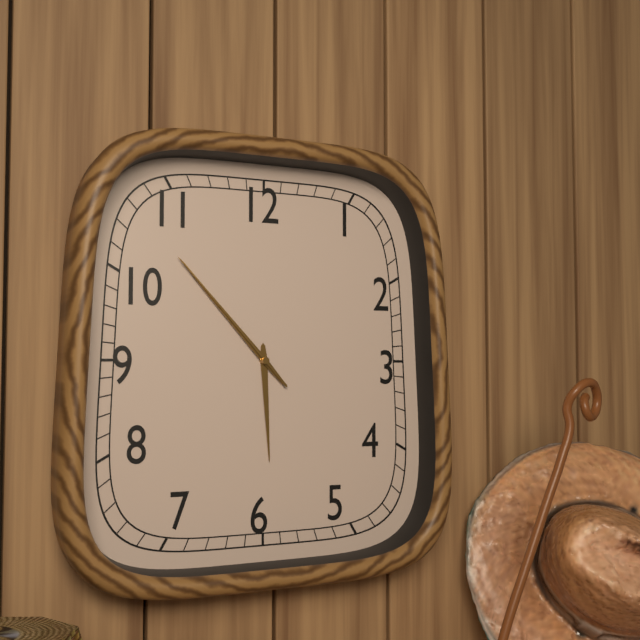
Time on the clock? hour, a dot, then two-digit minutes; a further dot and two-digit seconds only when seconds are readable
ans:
5.53.53
